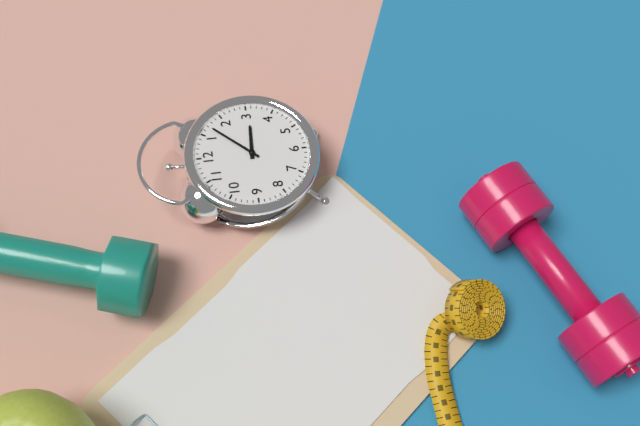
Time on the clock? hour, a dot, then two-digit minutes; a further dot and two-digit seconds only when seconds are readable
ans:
3.07
